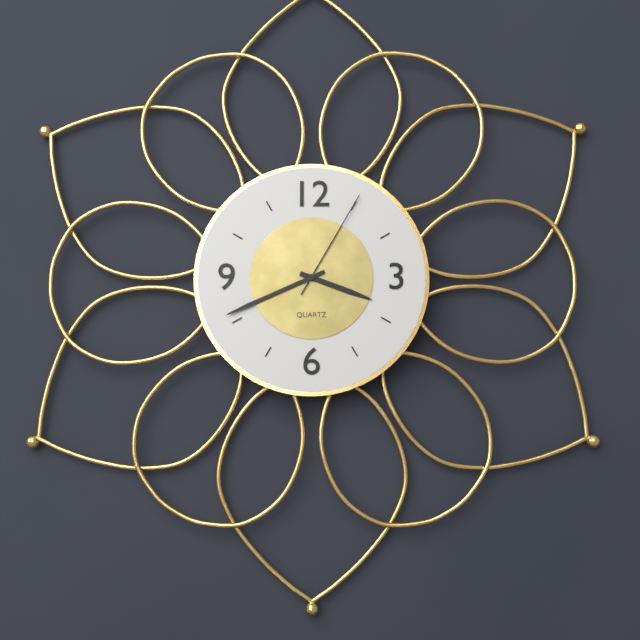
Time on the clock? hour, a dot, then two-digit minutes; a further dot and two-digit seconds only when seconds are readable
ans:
3.41.05
